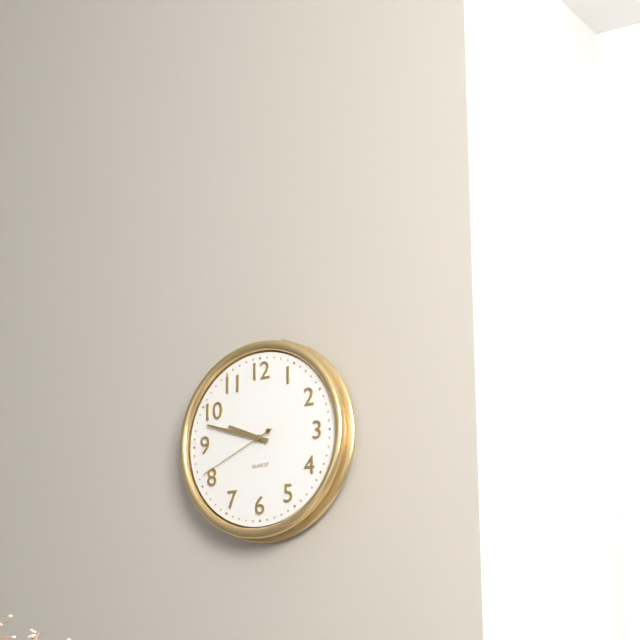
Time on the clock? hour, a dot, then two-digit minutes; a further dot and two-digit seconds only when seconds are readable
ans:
9.48.41
